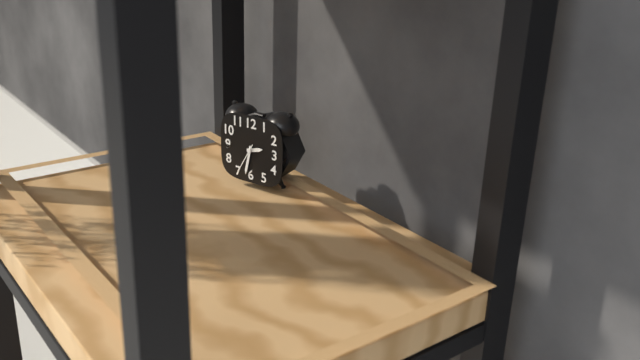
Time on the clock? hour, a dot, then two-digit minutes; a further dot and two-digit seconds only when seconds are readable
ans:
2.32
